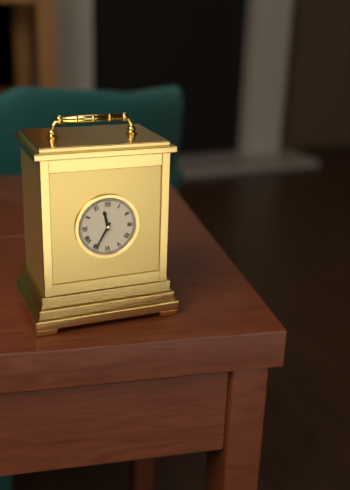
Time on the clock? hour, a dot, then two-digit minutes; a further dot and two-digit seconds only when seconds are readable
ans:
11.35
